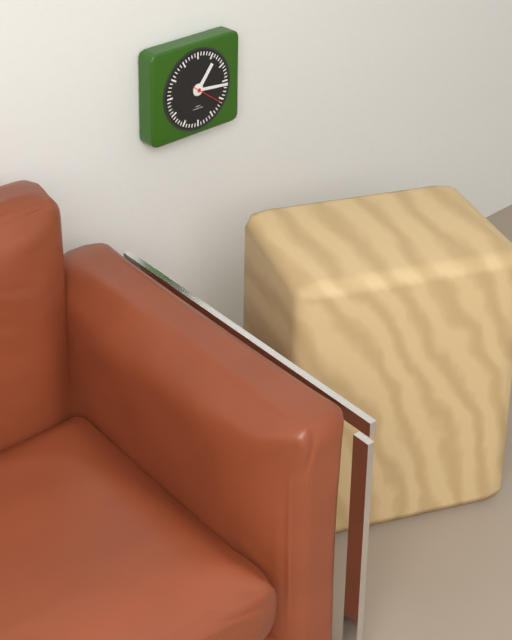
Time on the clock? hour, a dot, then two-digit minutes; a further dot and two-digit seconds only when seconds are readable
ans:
1.16
